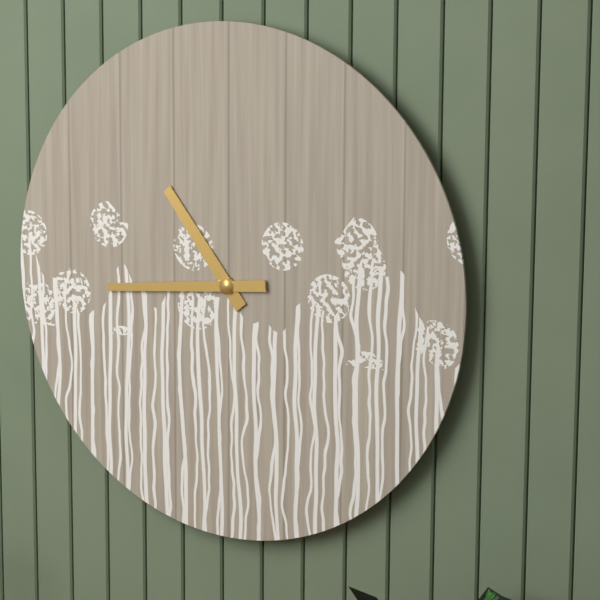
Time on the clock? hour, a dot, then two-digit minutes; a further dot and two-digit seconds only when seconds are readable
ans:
10.44
